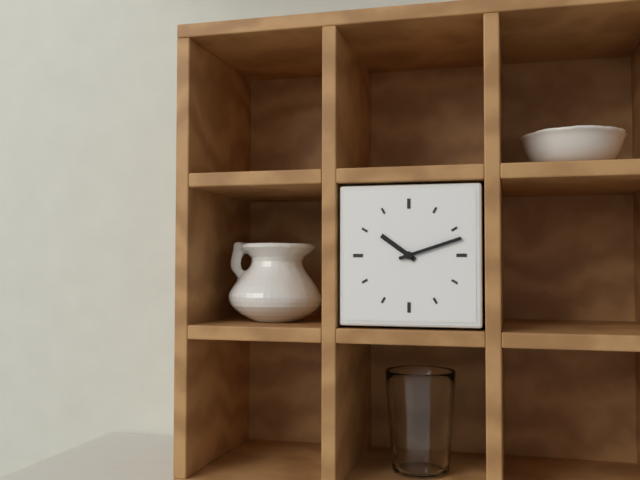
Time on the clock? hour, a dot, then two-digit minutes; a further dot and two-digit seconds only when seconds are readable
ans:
10.12
